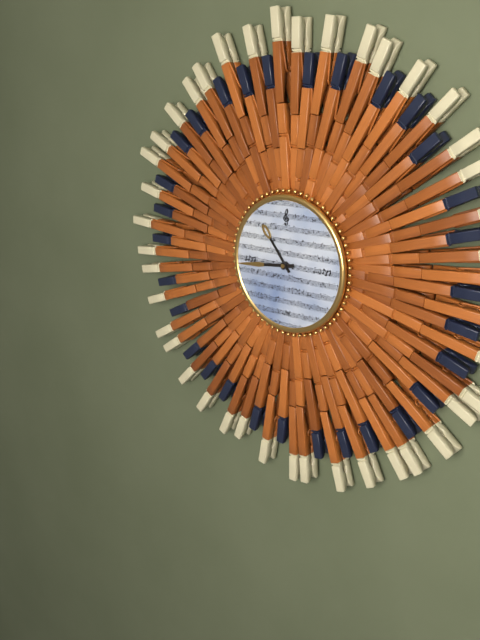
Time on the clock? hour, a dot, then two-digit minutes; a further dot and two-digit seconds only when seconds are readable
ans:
10.44
